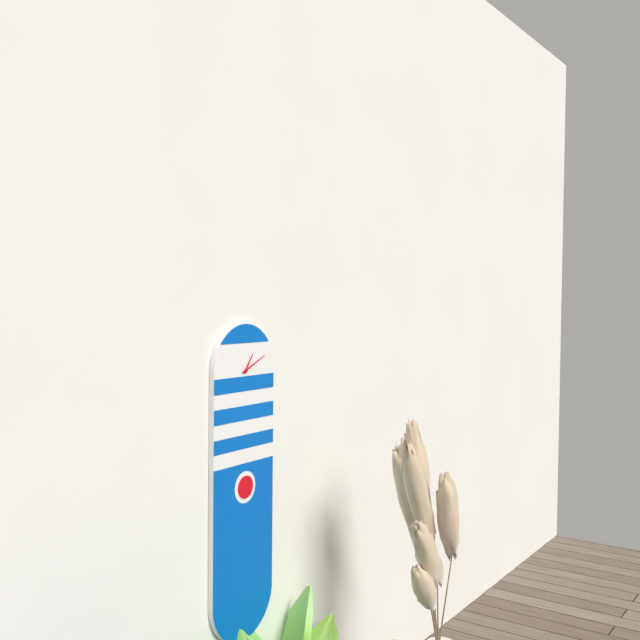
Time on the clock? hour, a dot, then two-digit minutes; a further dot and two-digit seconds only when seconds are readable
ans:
1.11
